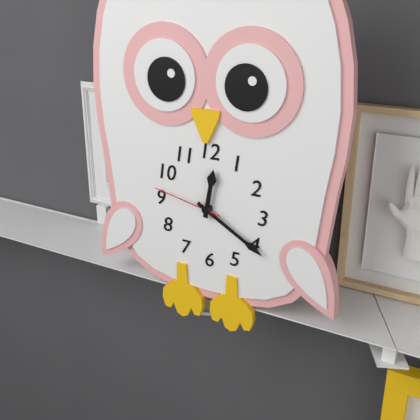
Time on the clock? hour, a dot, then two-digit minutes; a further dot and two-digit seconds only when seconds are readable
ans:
12.20.47
